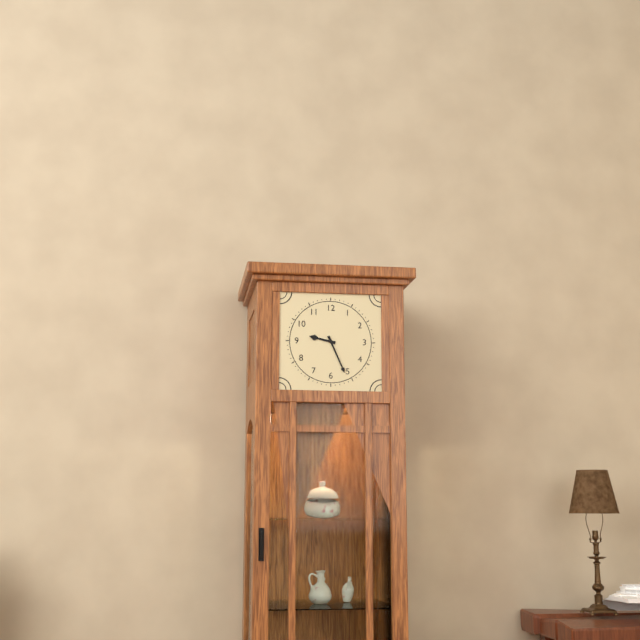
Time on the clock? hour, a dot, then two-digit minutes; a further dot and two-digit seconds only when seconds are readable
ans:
9.26
